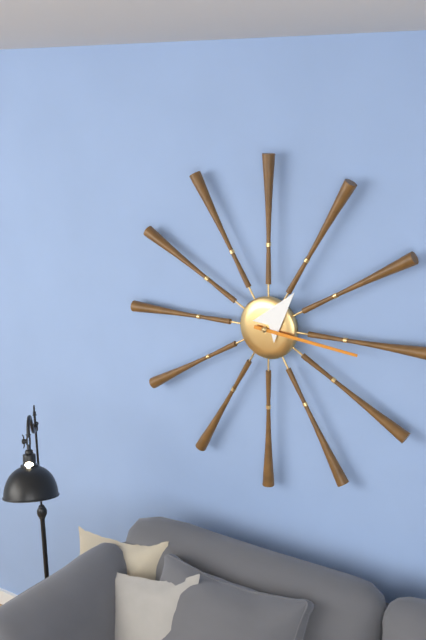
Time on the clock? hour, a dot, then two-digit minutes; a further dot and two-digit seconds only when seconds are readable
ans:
1.16
